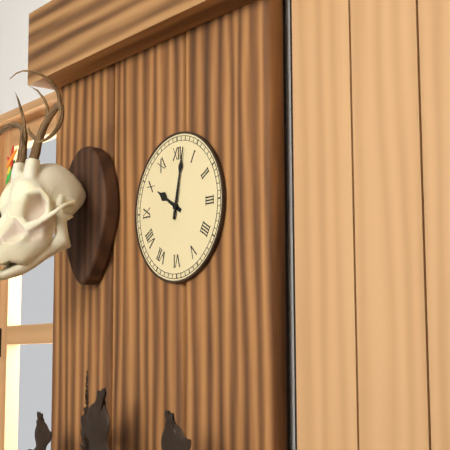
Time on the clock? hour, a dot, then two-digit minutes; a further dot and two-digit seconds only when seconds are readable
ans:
10.02
